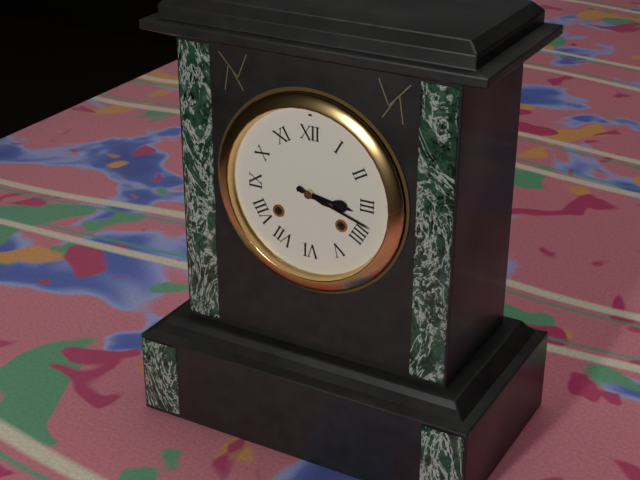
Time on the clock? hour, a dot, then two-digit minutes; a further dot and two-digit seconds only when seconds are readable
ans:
3.18
